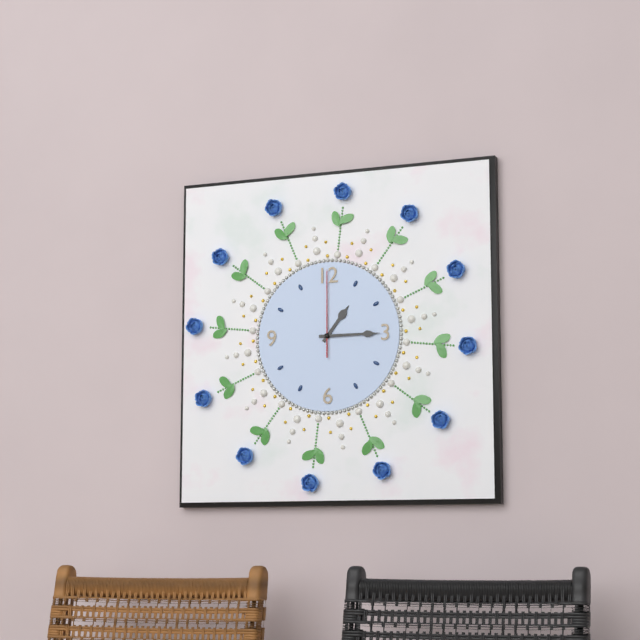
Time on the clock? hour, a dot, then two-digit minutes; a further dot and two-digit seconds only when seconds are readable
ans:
1.15.00
